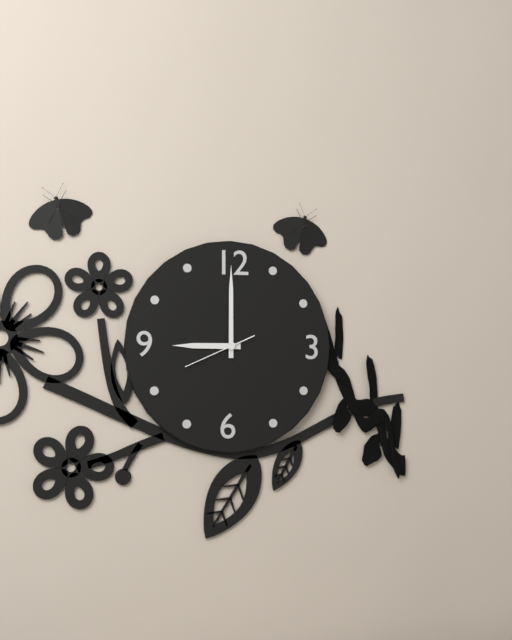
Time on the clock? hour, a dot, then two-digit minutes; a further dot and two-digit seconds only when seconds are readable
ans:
9.00.41
